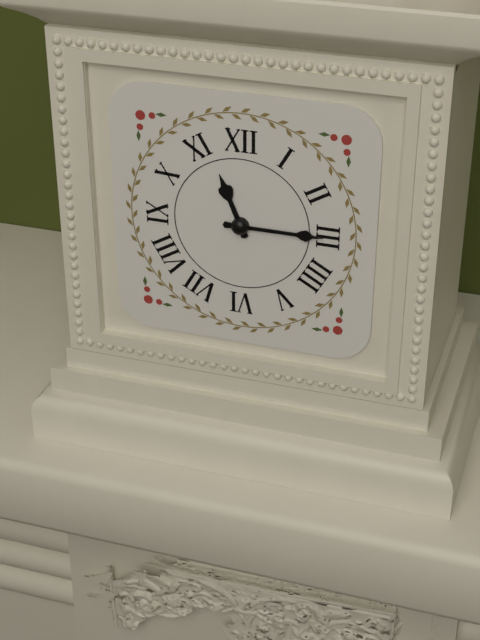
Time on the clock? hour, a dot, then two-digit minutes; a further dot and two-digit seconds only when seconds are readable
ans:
11.15
